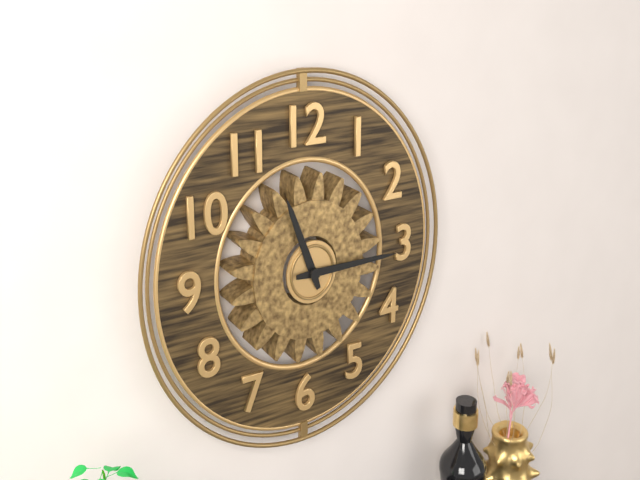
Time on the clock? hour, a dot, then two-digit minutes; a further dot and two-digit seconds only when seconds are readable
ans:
11.15
